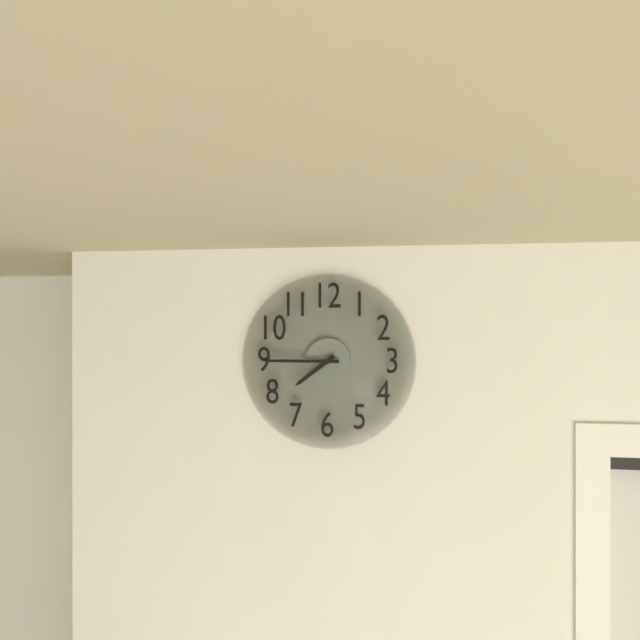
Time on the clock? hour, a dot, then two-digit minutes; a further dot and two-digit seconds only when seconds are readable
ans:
7.45
